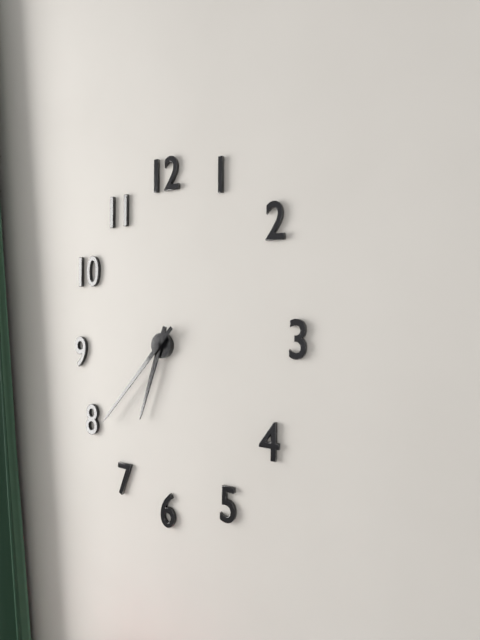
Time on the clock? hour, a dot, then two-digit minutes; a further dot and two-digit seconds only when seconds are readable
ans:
6.37
